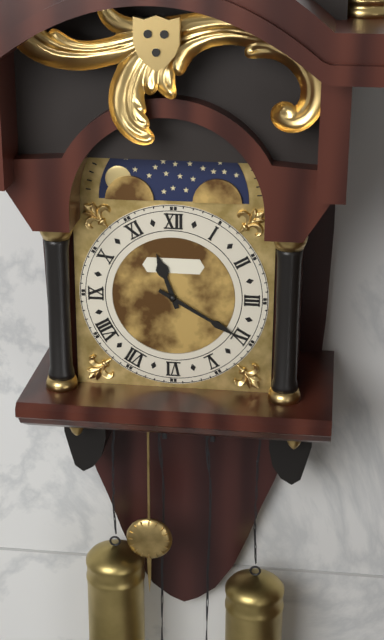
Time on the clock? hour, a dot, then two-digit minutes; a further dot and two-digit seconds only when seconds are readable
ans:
11.20
